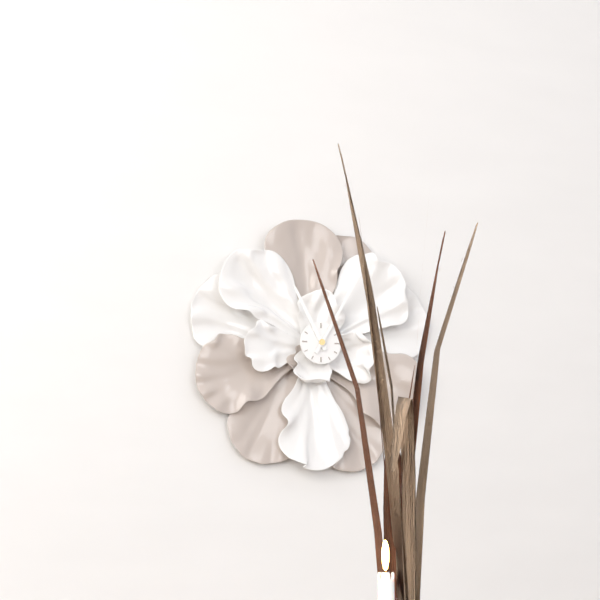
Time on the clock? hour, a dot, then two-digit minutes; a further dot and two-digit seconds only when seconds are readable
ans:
11.05
